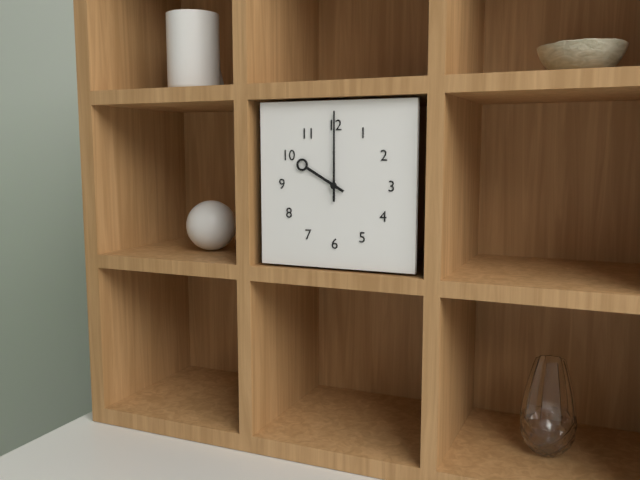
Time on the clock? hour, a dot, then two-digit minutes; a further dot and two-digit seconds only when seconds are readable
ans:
10.00
